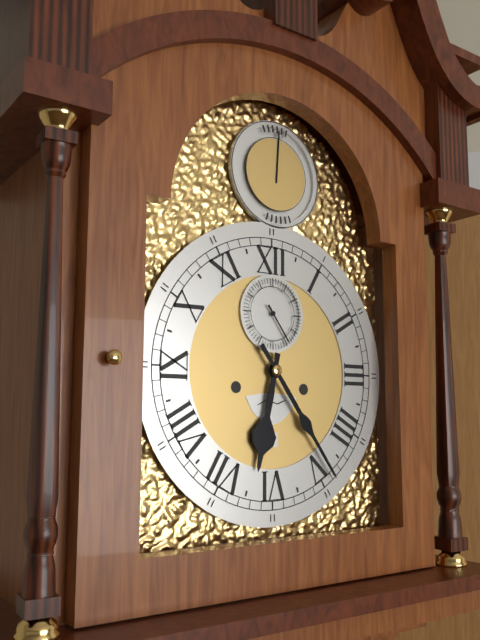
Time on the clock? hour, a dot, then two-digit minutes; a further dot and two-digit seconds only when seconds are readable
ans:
6.24
